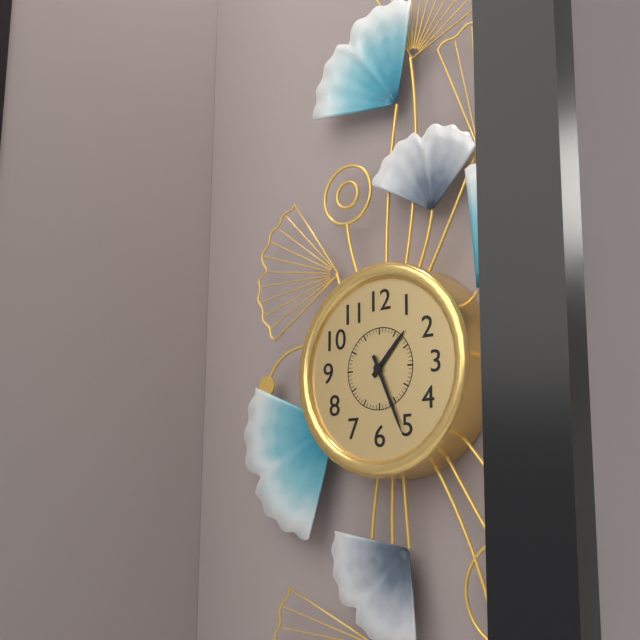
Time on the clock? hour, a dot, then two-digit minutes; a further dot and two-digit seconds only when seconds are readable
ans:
1.26
